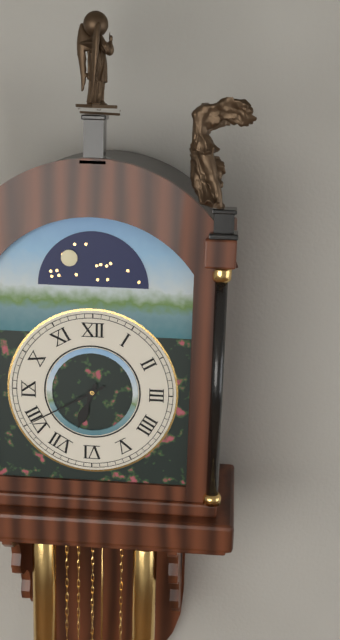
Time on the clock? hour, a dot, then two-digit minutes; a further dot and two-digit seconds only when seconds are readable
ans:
6.40
